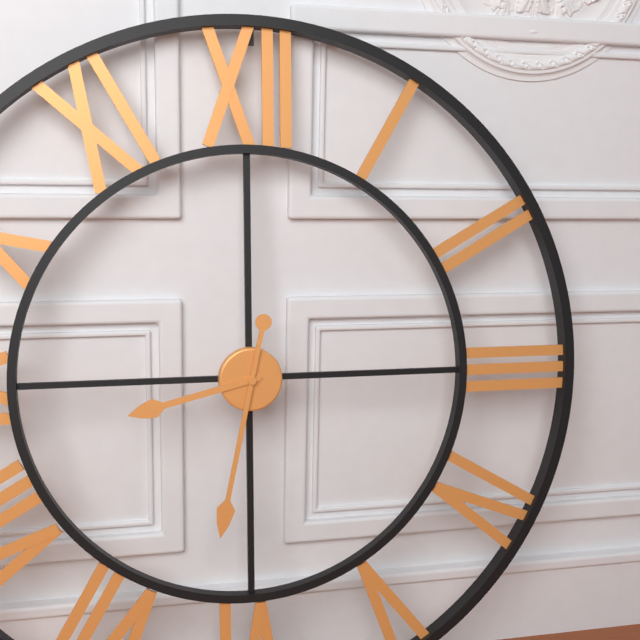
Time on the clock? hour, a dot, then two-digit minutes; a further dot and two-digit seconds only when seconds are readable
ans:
8.32
